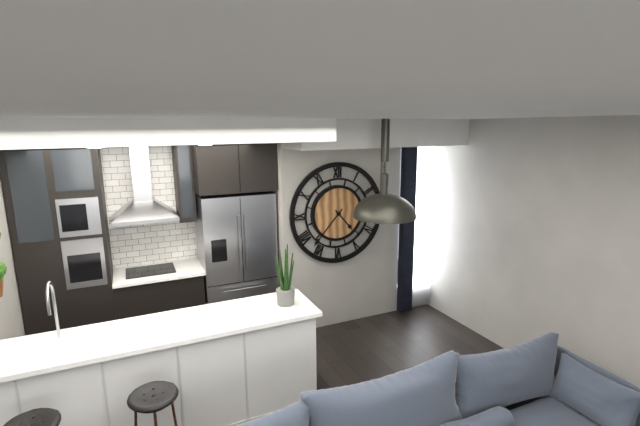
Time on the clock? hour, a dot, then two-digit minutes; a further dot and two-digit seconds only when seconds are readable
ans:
4.37
